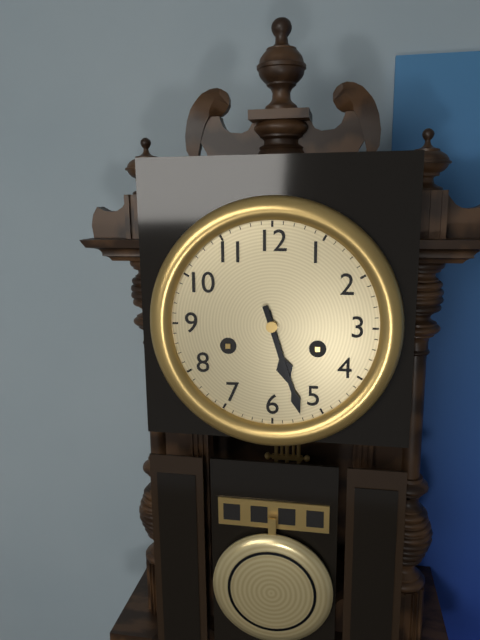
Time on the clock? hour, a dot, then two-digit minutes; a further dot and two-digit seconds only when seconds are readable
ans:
5.27
